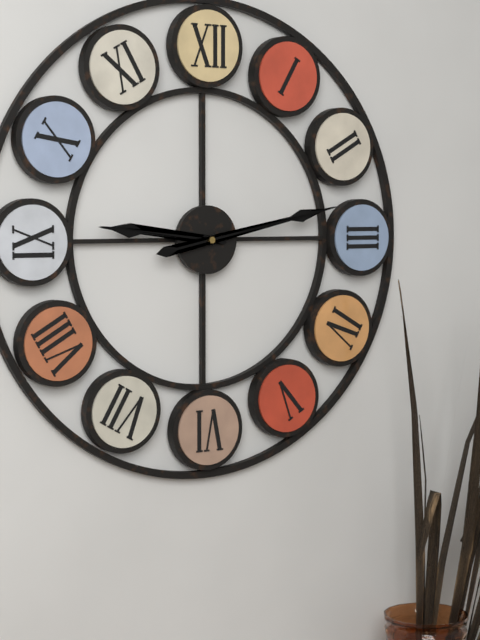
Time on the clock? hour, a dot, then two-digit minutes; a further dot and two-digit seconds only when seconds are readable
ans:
9.13
